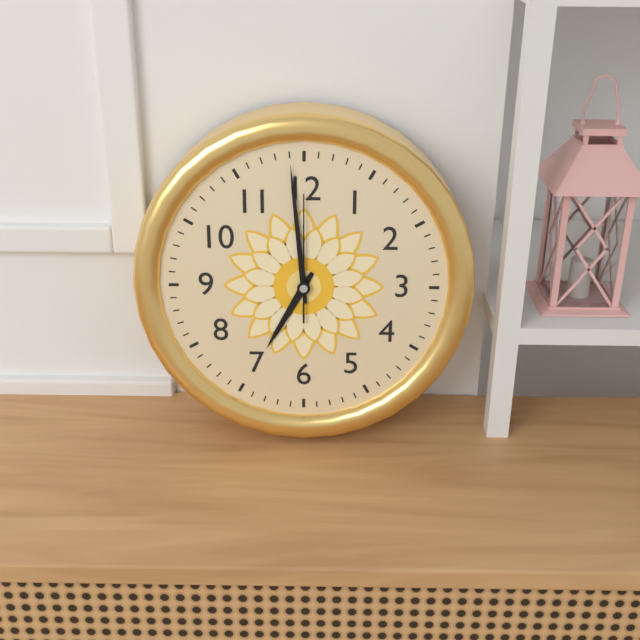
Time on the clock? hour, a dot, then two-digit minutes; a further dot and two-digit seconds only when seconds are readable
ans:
6.59.00
